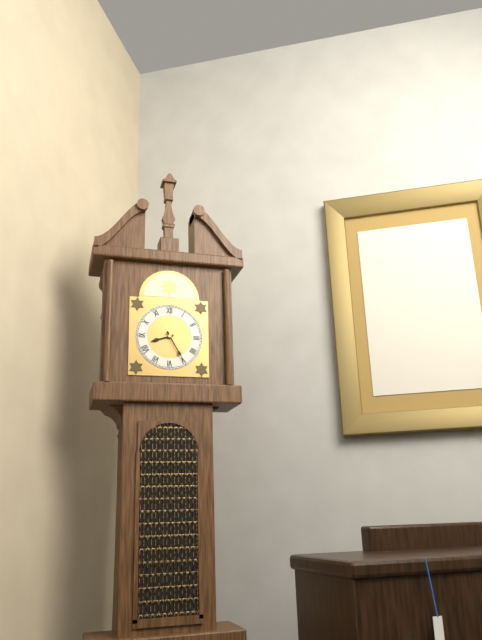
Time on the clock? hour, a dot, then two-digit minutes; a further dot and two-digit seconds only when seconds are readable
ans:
8.25
